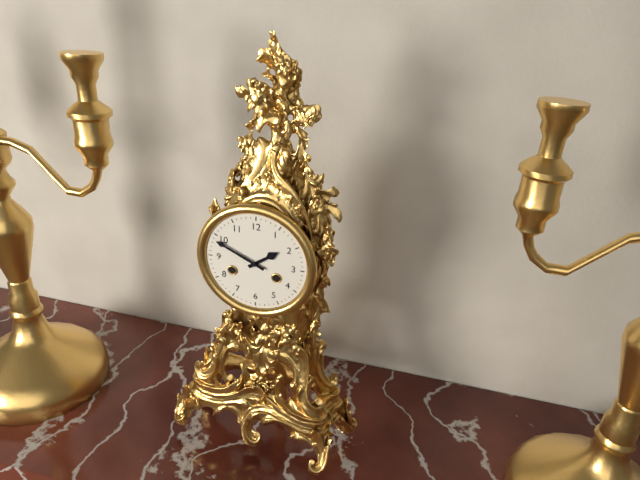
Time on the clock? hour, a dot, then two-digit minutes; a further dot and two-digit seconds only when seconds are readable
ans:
1.49
